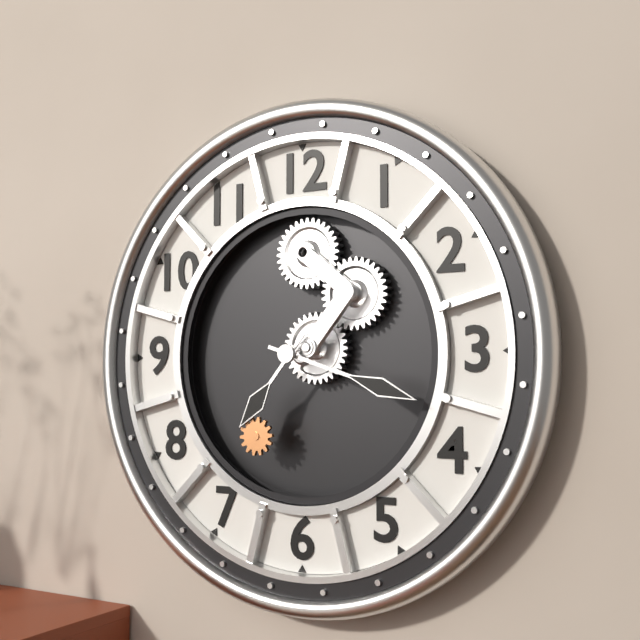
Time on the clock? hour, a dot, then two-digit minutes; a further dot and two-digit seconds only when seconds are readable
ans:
7.18
